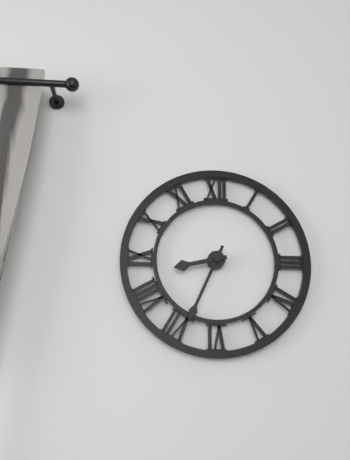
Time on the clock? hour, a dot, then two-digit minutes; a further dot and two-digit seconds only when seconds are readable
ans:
8.34
